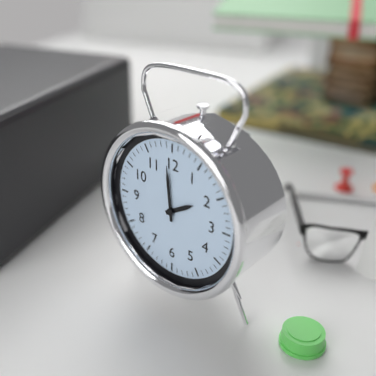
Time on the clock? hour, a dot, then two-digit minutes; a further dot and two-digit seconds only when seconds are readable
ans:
1.59
